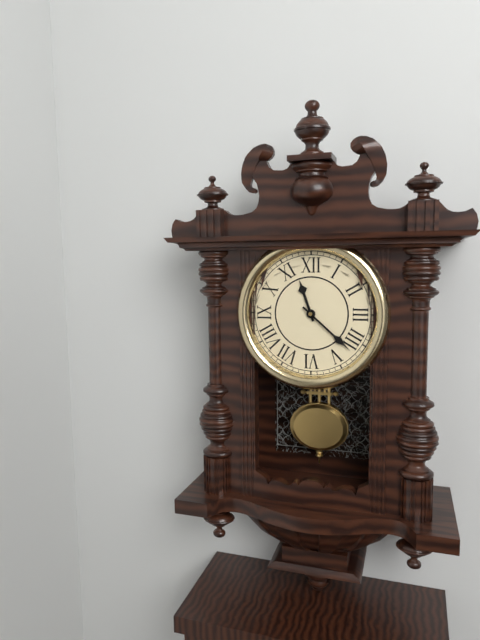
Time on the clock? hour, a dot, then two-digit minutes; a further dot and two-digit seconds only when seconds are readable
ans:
11.22
